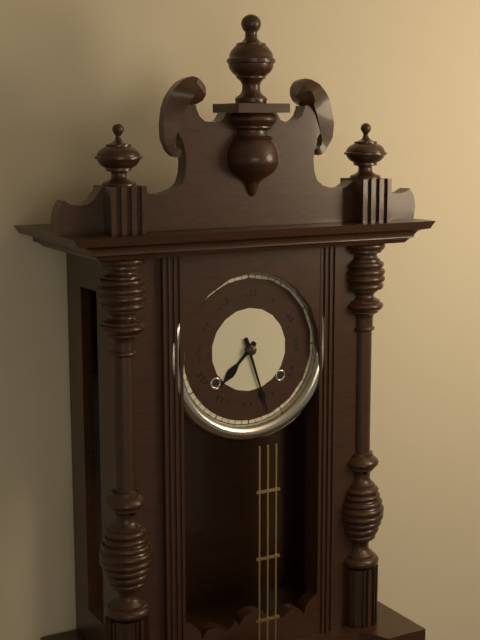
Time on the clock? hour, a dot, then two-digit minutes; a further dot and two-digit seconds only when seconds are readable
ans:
7.27
